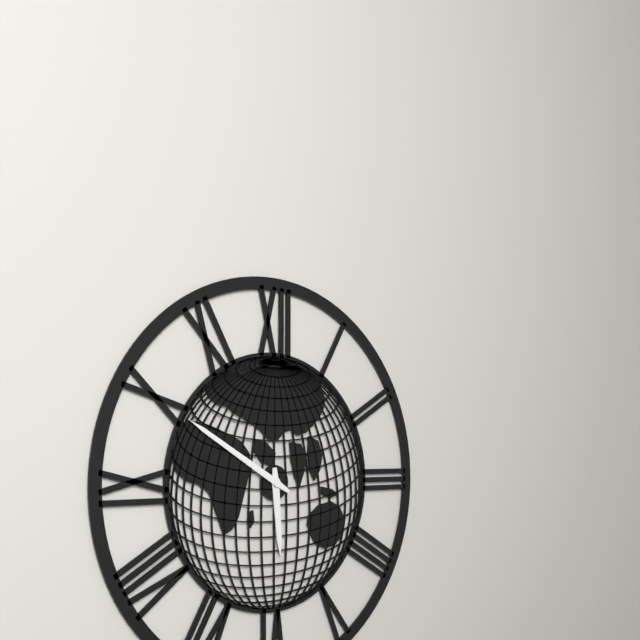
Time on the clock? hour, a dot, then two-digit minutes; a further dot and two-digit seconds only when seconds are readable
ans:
5.50
